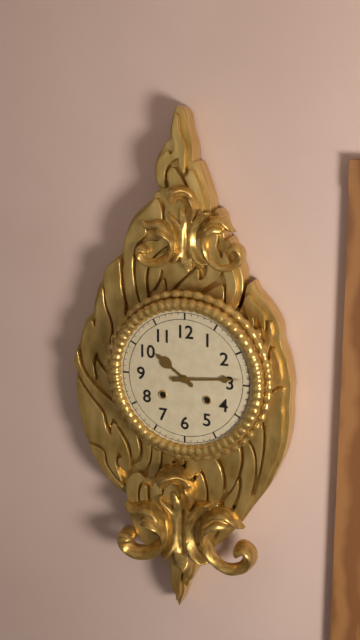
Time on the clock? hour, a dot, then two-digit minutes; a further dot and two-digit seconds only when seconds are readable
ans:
10.14
